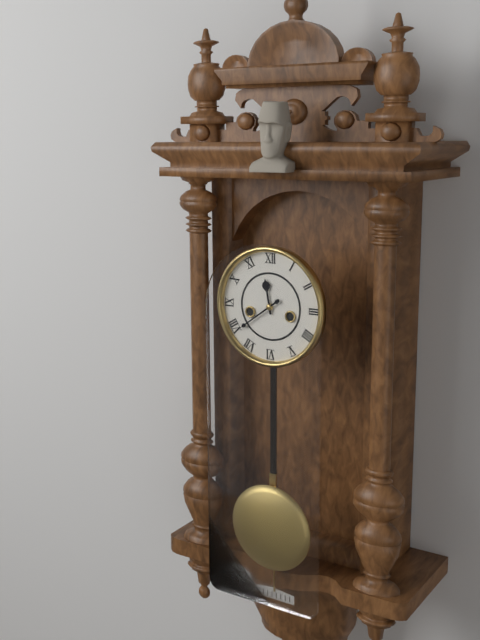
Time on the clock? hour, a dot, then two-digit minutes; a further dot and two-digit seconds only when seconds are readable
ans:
11.39
